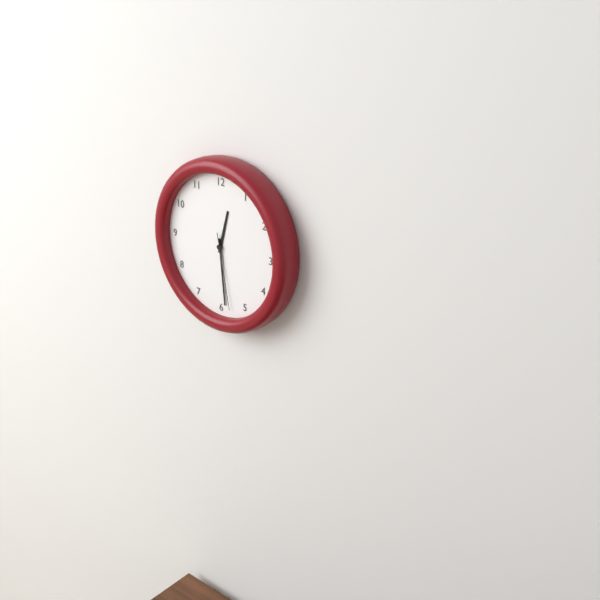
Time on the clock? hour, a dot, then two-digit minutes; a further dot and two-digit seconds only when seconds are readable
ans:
12.29.28
